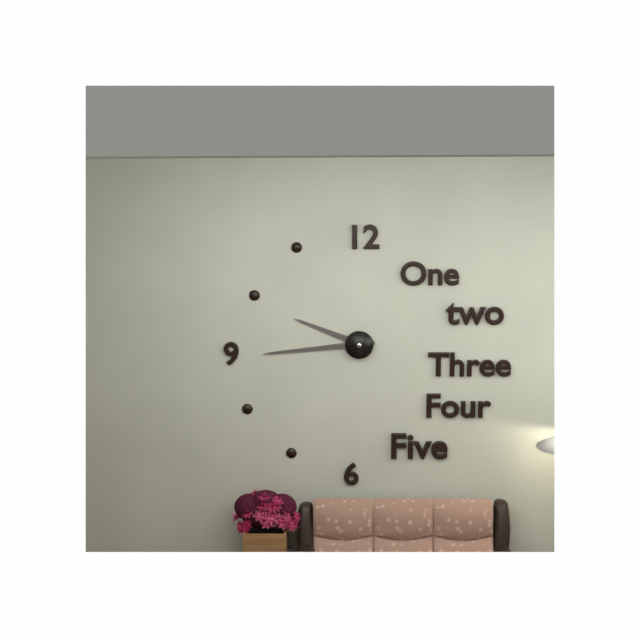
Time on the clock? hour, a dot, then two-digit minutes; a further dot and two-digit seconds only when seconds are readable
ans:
9.44
